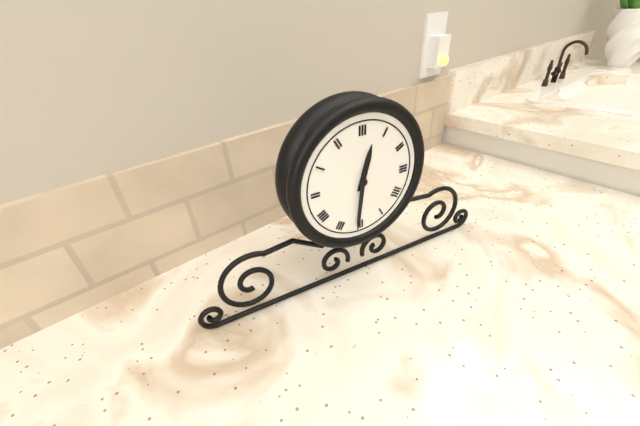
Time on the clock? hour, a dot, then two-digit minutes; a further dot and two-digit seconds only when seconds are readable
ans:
12.31
